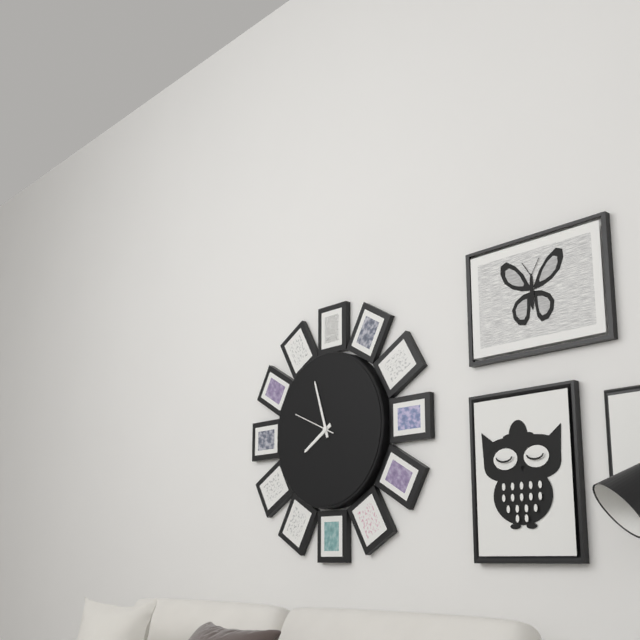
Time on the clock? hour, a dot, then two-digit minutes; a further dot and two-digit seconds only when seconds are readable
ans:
7.57.49
